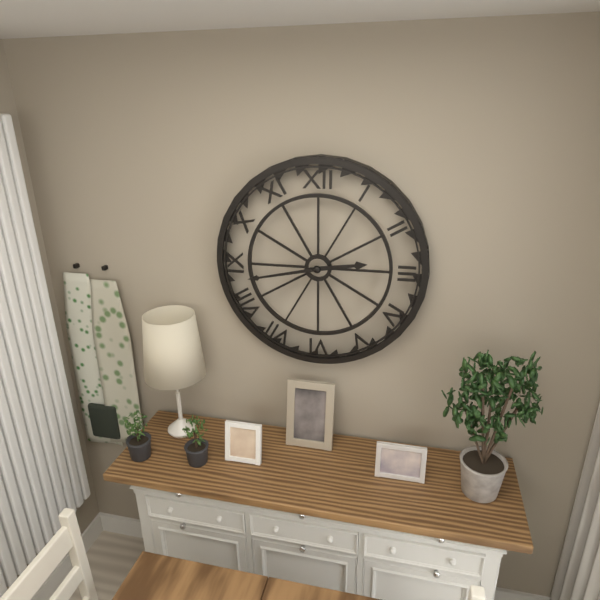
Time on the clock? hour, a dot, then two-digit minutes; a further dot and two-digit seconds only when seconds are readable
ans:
2.43
